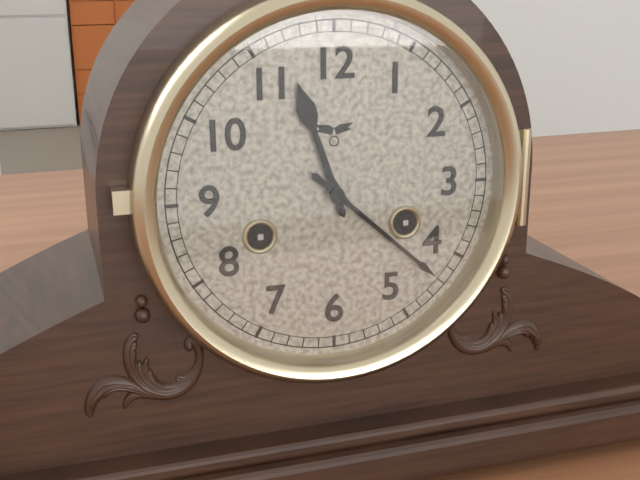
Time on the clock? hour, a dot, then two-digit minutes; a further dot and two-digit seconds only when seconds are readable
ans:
11.22
